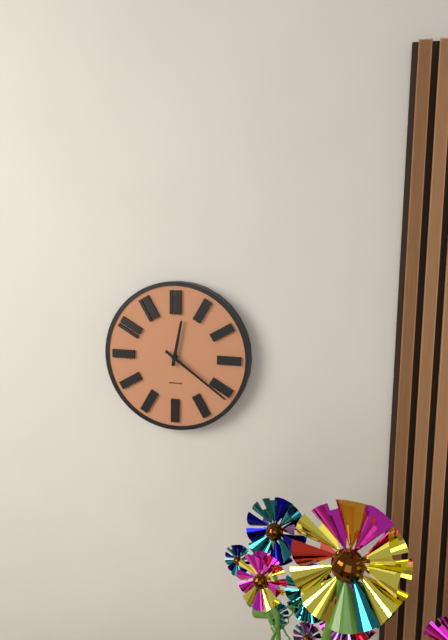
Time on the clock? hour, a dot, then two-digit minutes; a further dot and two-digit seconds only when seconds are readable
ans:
12.21
